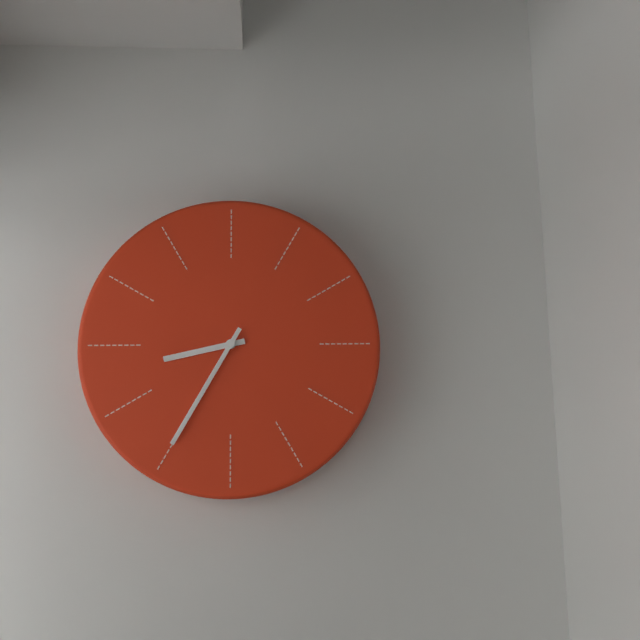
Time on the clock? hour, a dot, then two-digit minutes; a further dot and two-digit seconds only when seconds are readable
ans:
8.35
